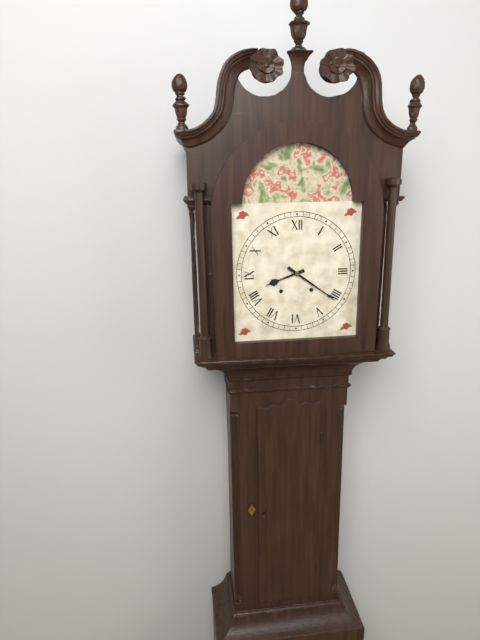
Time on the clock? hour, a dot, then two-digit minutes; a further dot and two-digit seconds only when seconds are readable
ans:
8.21
